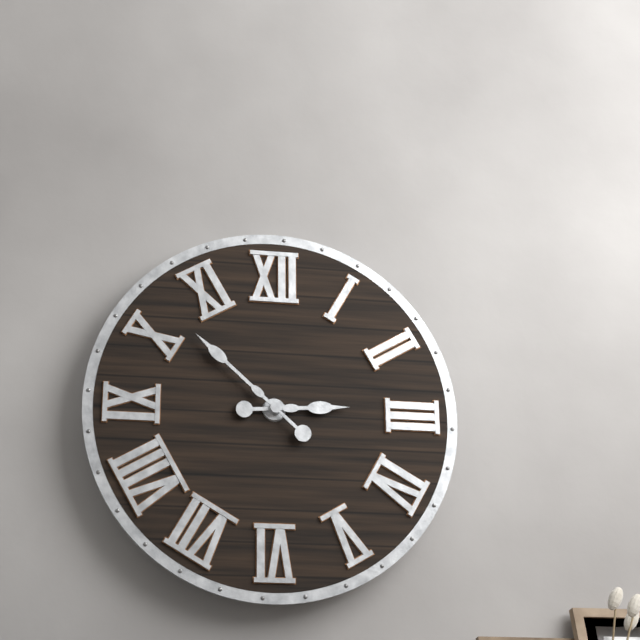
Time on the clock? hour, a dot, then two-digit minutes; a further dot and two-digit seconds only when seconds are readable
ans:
2.52
